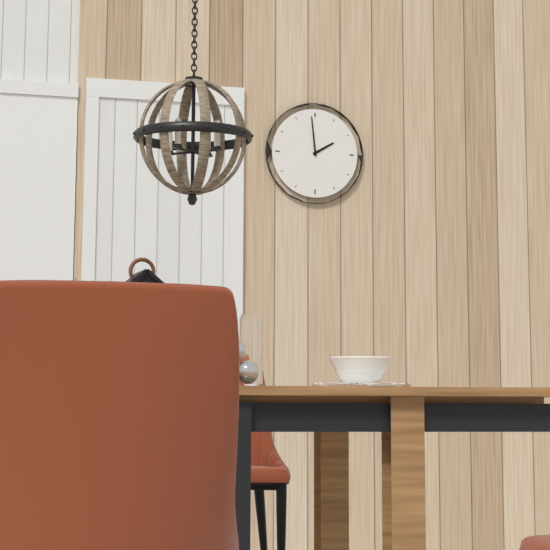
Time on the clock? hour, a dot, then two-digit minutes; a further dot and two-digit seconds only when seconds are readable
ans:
1.59
